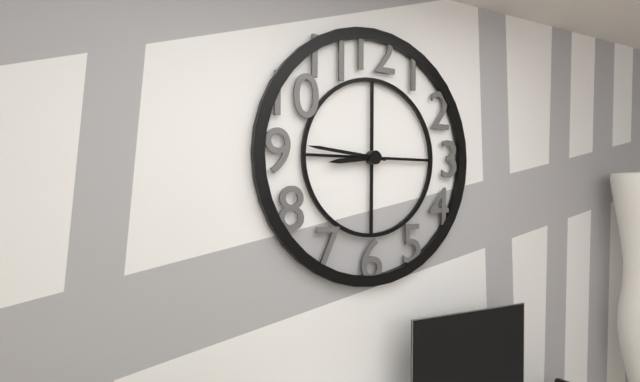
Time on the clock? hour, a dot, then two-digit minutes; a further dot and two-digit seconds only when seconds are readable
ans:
8.46
